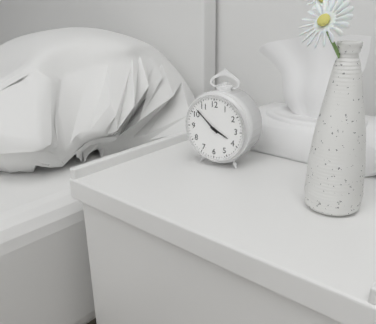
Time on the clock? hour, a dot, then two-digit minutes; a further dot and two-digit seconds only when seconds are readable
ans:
3.52
